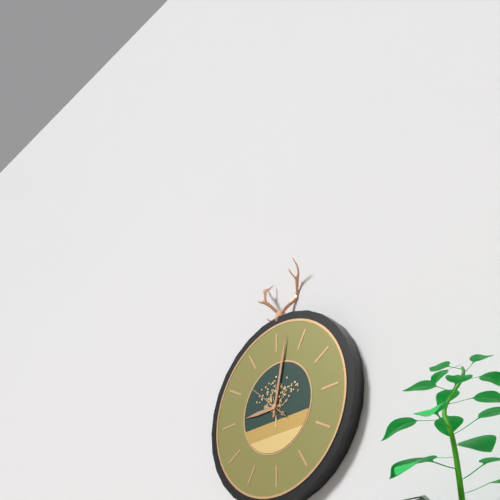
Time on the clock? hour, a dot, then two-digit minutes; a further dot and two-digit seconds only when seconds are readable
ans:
9.02.52
